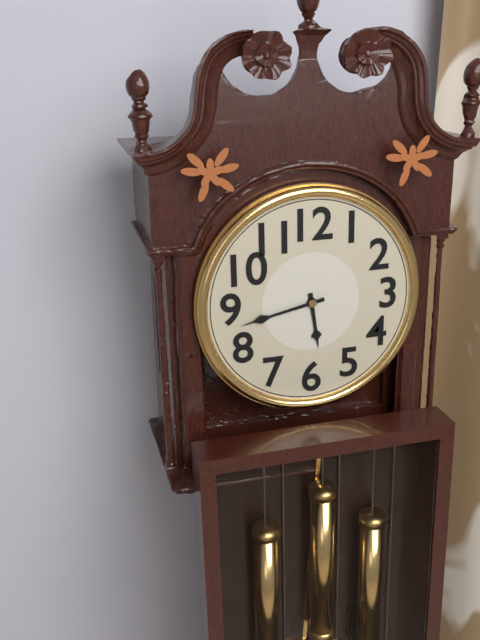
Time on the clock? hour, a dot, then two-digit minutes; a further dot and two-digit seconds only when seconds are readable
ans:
5.43
